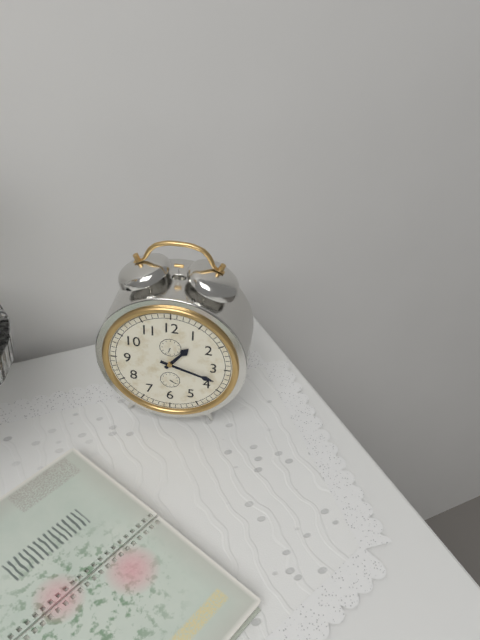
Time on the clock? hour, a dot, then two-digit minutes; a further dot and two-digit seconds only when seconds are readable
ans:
1.18
